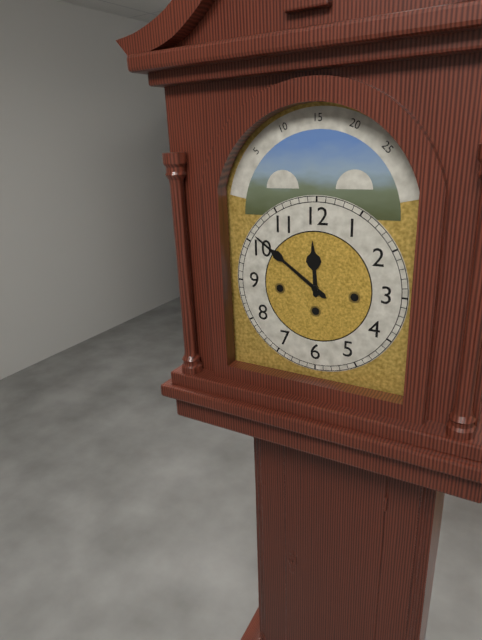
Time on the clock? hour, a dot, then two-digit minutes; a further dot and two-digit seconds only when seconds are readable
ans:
11.51
